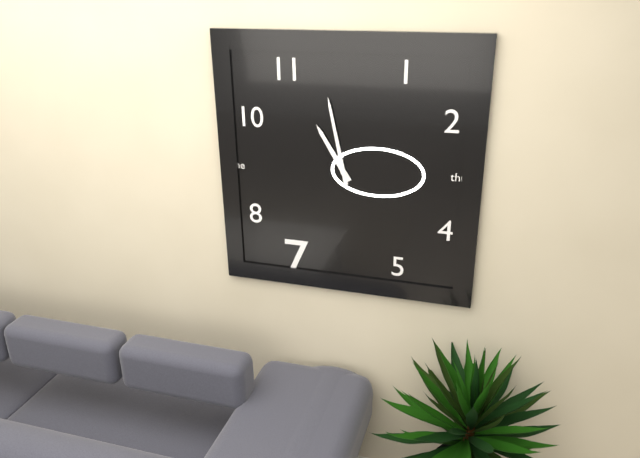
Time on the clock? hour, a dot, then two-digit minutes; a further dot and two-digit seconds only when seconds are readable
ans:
10.58
